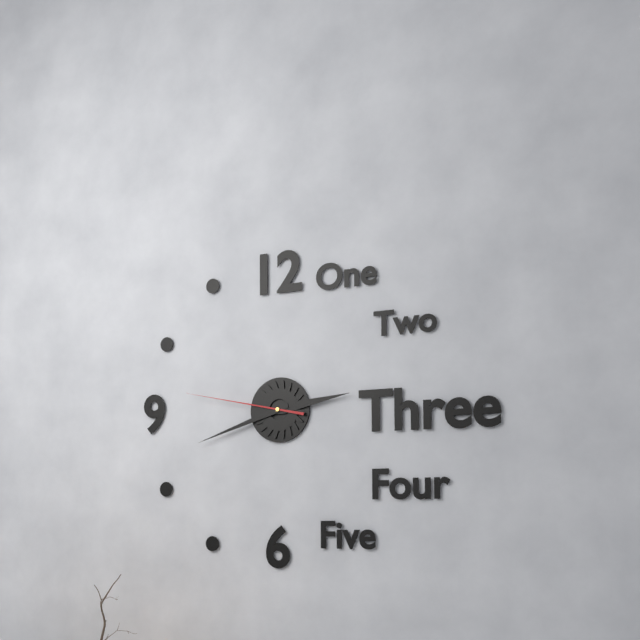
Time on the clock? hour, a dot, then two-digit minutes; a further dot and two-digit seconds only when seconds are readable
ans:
2.42.47
